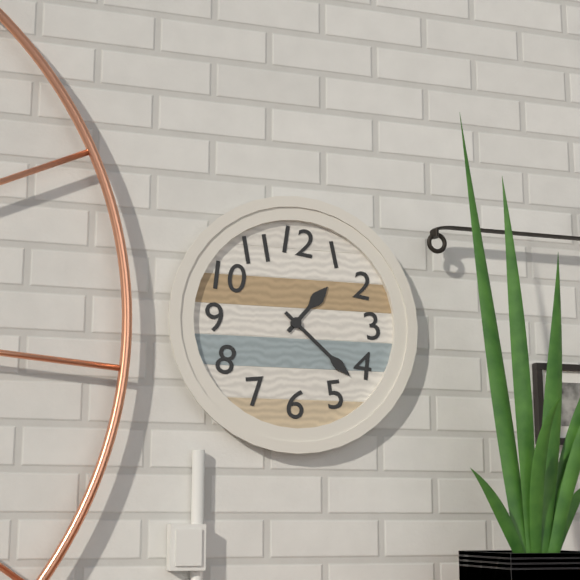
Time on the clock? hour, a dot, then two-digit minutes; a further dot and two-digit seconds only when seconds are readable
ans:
1.22
